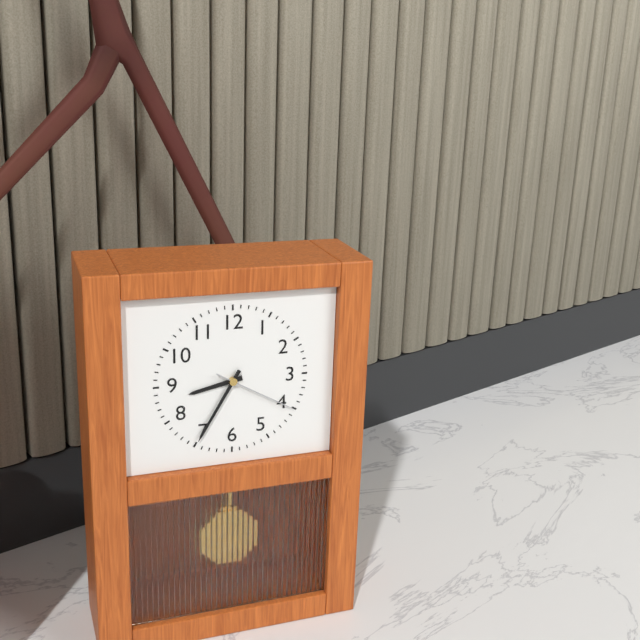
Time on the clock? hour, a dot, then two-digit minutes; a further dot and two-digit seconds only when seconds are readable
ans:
8.35.20
